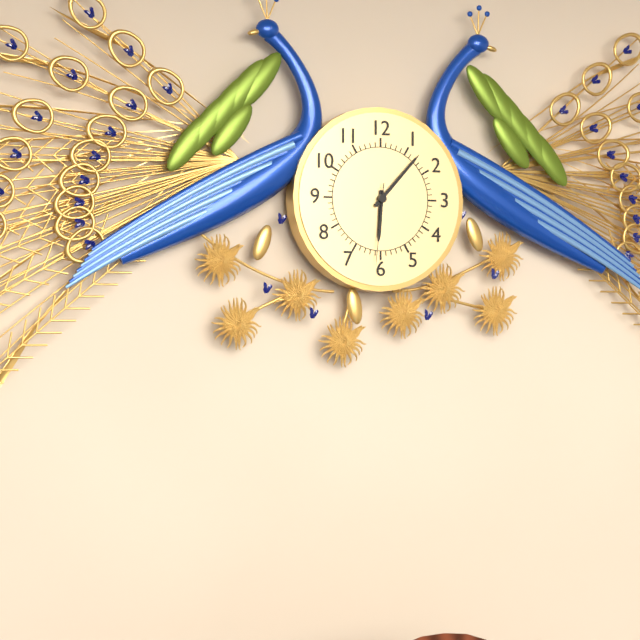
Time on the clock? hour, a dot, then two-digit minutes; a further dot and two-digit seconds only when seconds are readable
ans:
6.07.31
